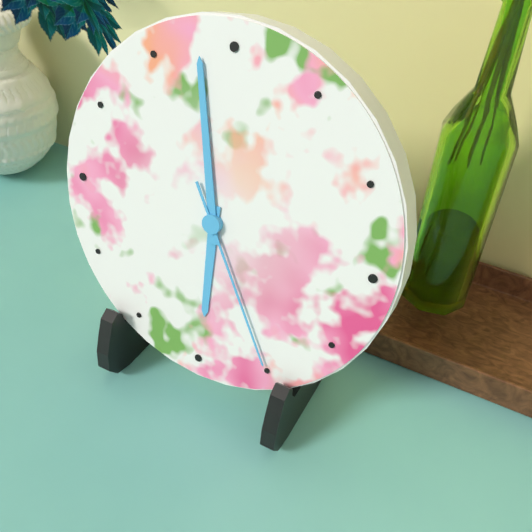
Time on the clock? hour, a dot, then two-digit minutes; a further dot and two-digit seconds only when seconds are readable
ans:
5.58.25
